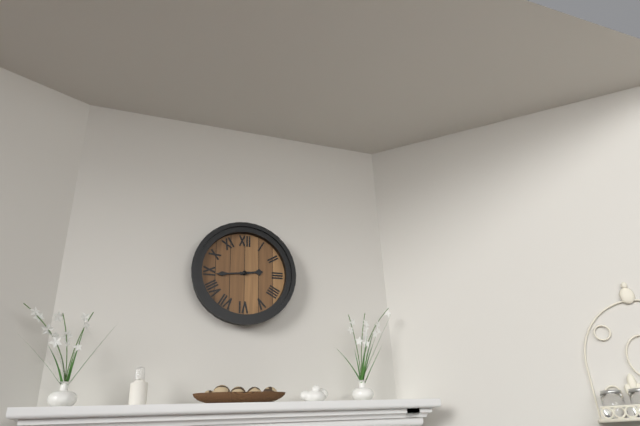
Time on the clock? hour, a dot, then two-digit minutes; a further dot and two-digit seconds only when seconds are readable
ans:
2.44
